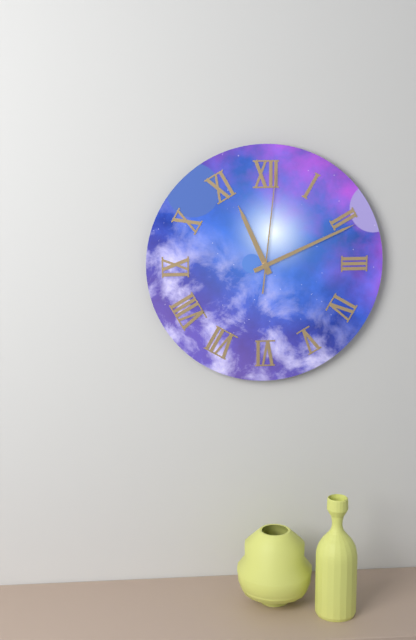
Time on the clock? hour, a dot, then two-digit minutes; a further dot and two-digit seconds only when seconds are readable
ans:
11.11.01
